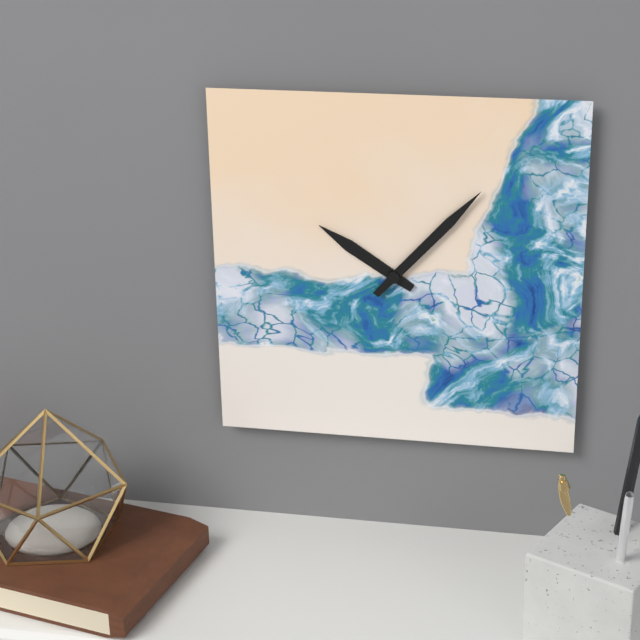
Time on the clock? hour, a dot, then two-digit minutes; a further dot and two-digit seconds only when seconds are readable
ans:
10.07
